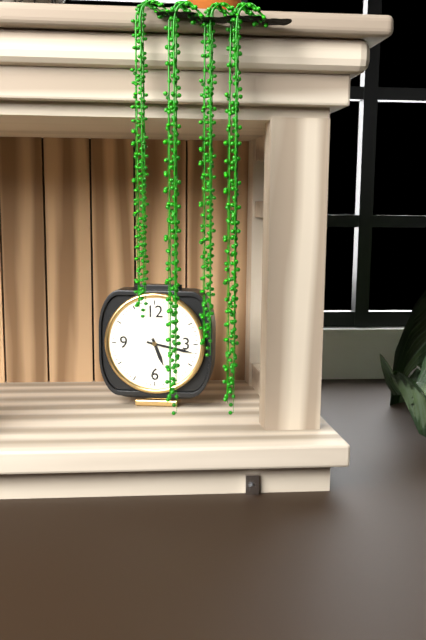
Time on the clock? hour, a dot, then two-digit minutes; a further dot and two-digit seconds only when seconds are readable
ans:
5.17
